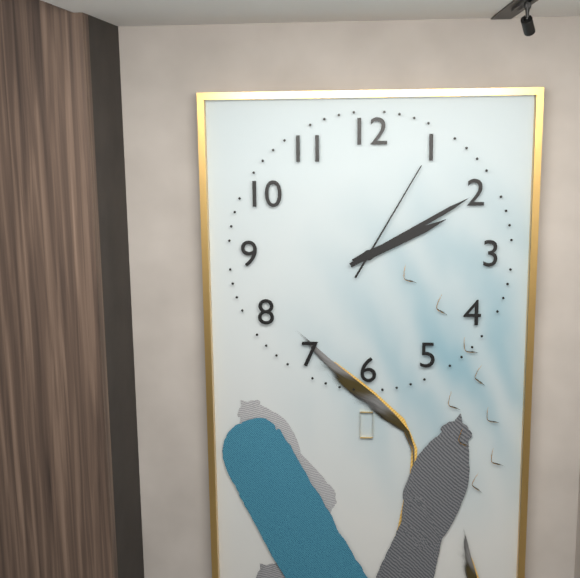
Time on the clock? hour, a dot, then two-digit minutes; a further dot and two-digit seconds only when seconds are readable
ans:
2.10.05
